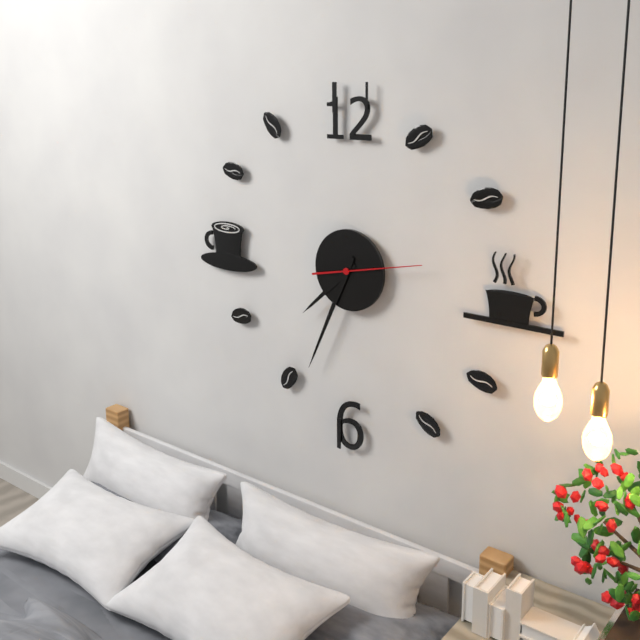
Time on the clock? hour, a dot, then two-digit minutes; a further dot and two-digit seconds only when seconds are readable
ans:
7.34.13
